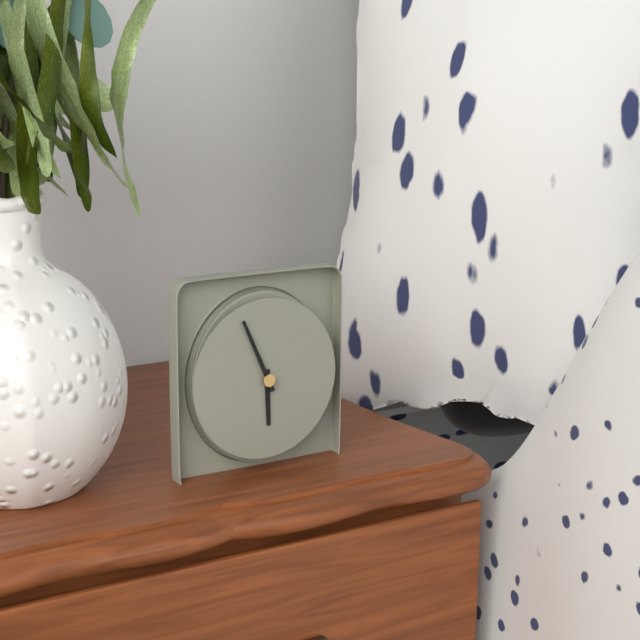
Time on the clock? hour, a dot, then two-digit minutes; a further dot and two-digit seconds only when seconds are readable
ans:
5.56
